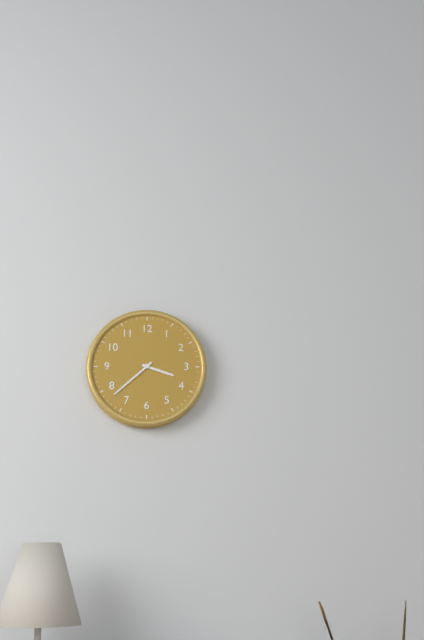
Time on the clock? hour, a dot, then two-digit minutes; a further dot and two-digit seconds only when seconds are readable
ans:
3.38
